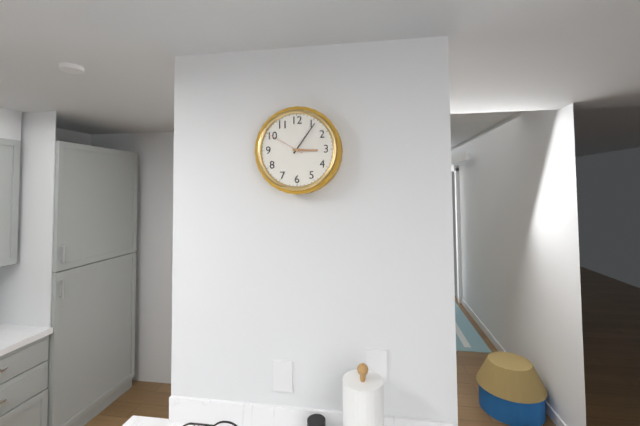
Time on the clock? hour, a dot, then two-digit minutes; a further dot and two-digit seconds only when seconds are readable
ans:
3.06
